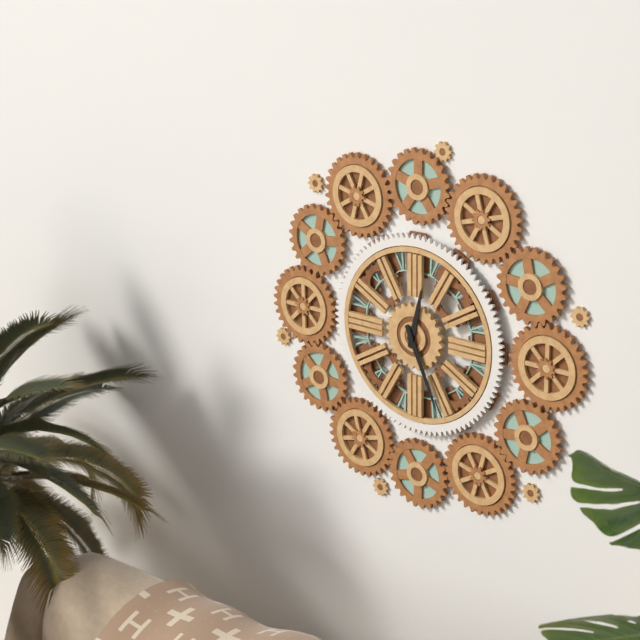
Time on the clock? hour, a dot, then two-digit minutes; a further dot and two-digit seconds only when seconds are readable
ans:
12.26
